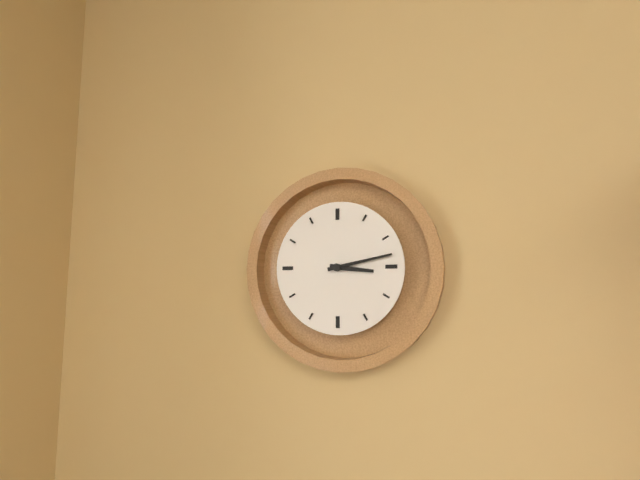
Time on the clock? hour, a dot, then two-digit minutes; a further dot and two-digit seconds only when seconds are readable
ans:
3.13
